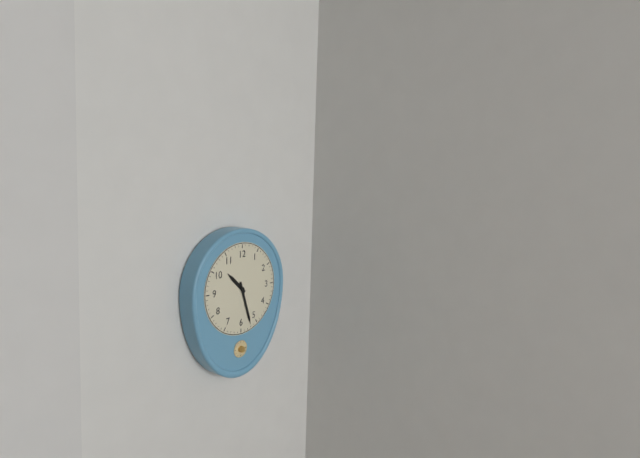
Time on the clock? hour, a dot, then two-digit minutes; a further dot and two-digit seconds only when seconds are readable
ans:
10.27
